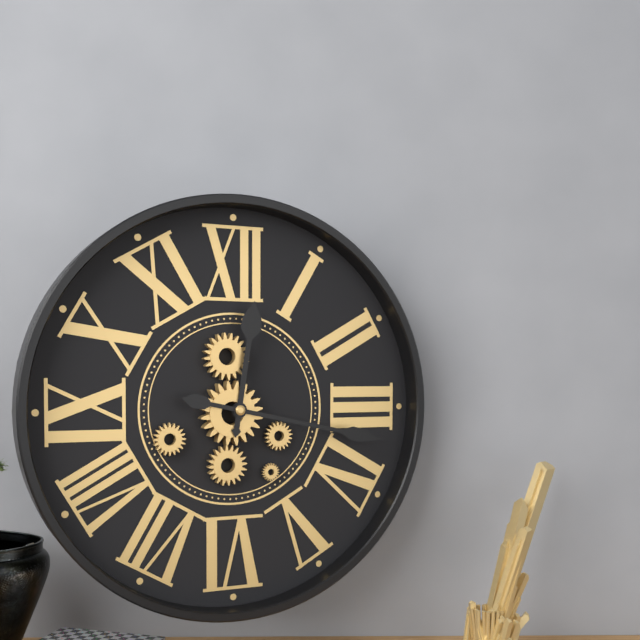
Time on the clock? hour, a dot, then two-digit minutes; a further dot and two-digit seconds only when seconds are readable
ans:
12.17
